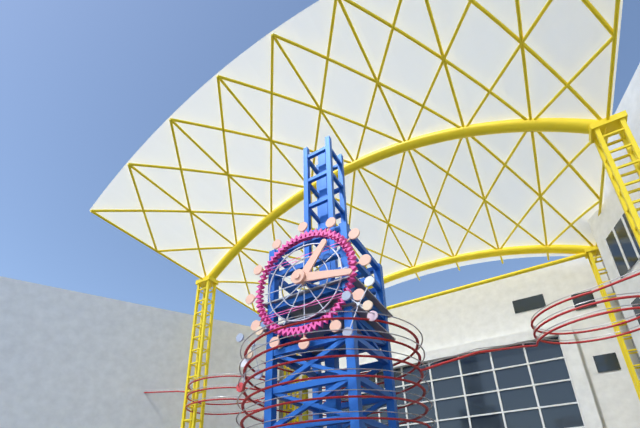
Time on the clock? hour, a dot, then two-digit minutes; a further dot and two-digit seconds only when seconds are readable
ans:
1.17
